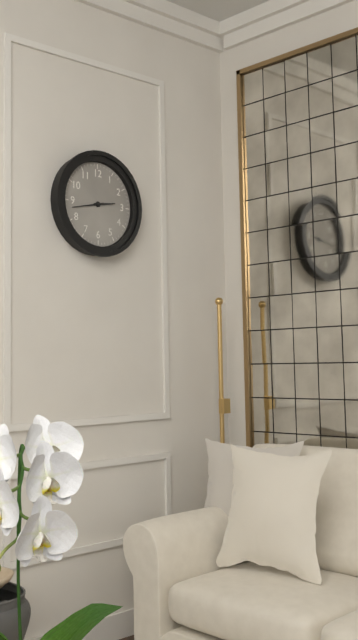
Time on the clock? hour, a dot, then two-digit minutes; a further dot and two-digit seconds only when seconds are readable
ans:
2.43
